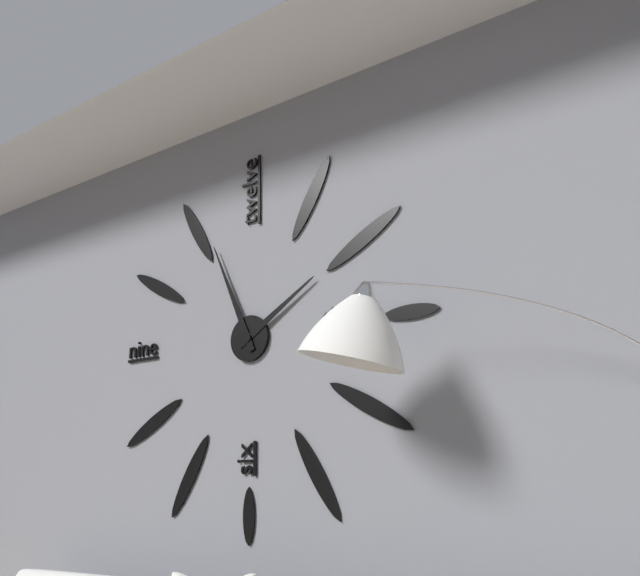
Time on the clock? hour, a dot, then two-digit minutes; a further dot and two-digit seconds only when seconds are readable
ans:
1.56
